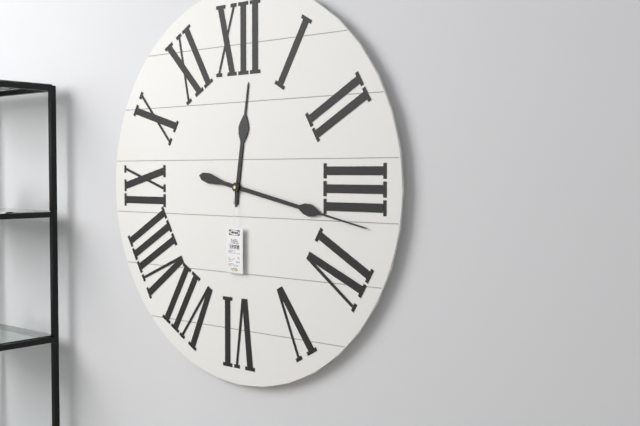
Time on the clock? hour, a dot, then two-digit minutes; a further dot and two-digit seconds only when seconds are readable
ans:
12.17
